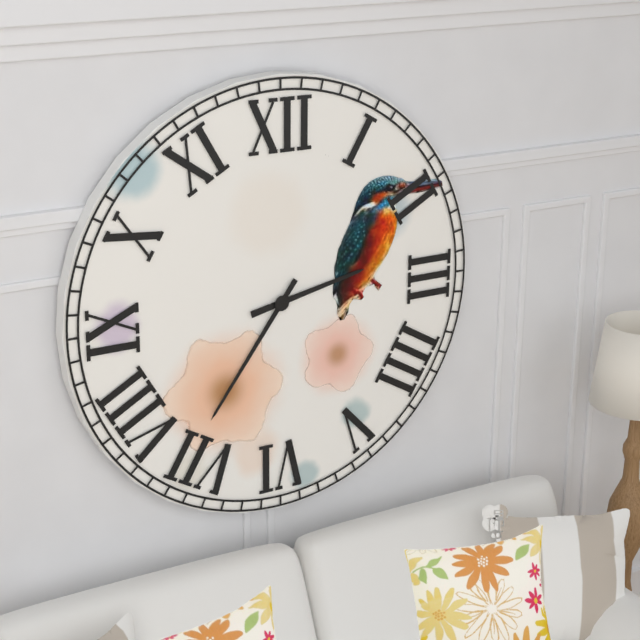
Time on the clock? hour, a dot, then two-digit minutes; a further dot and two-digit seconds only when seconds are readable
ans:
2.36
